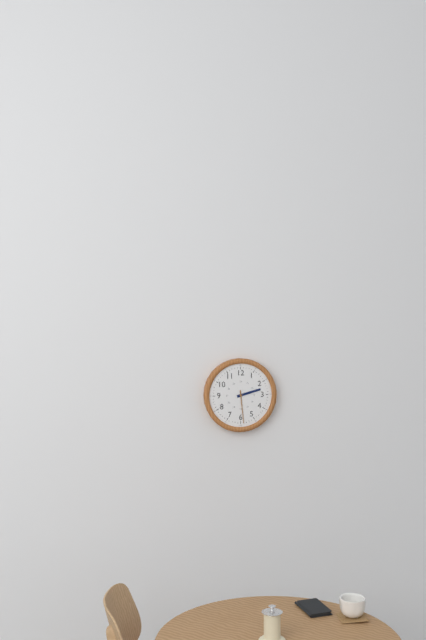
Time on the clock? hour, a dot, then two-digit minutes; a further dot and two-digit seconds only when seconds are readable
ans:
2.29
